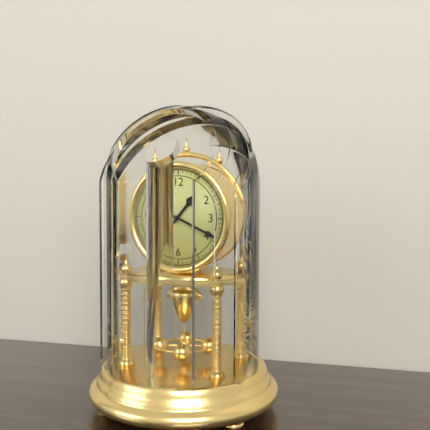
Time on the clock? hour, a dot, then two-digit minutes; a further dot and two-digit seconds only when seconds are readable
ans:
1.19
